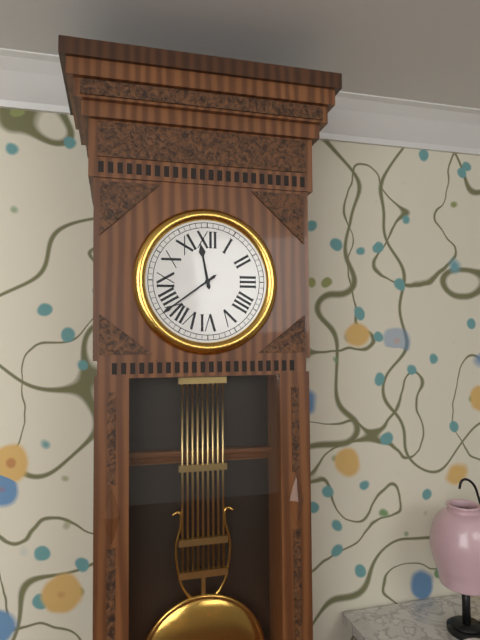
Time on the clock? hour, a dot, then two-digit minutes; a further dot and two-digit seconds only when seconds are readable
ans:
11.39
